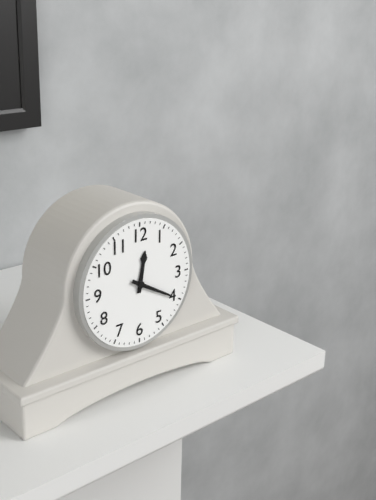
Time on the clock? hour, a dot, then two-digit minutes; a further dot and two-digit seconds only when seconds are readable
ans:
12.20
